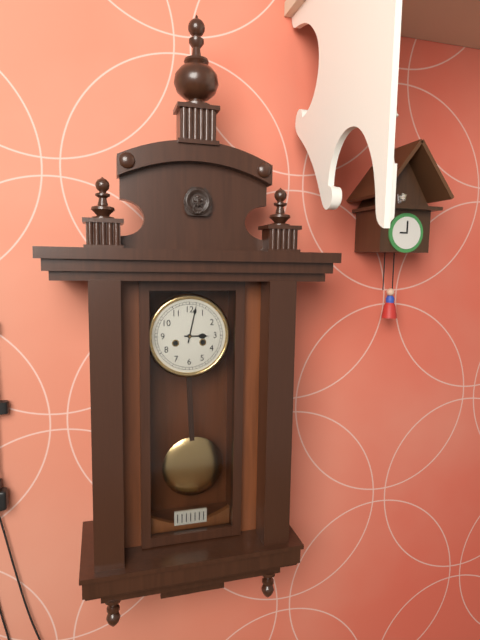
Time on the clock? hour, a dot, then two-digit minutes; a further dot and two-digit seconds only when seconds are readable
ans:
3.02
